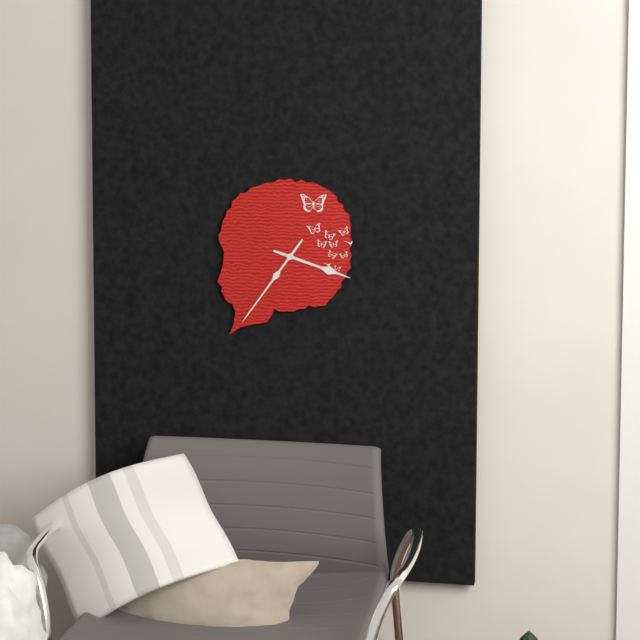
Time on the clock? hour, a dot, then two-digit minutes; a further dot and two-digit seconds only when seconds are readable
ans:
3.36
